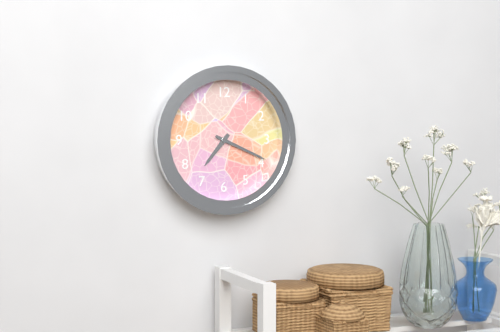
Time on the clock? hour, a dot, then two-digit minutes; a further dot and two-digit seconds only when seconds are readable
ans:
7.19
